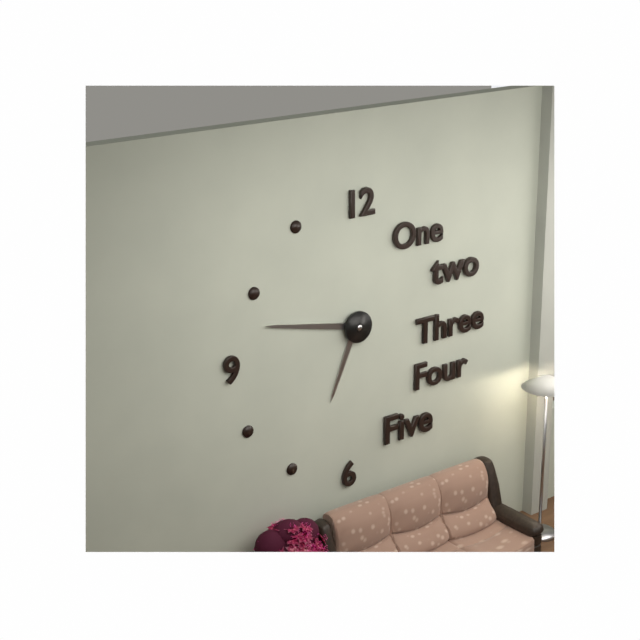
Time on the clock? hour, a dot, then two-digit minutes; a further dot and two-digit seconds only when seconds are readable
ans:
6.47
